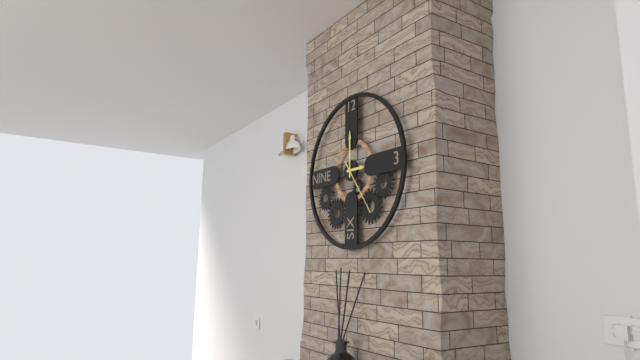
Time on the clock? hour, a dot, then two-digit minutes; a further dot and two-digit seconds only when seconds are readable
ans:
3.00.24
